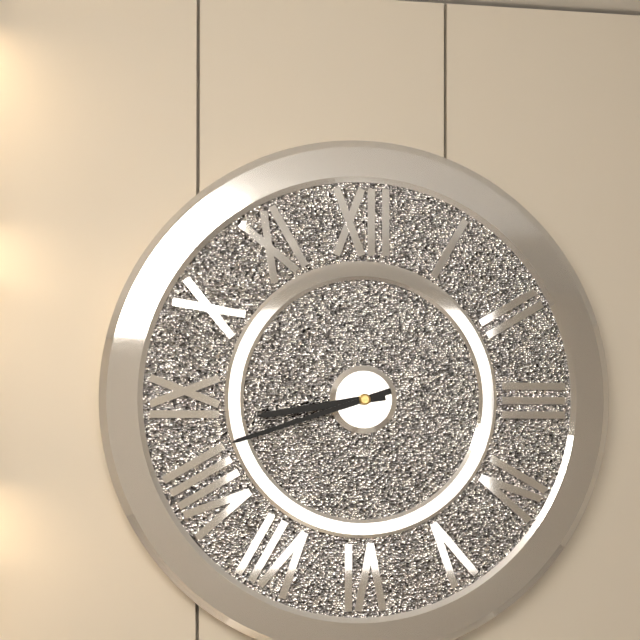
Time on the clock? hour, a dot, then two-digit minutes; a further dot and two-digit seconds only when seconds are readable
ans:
8.42
